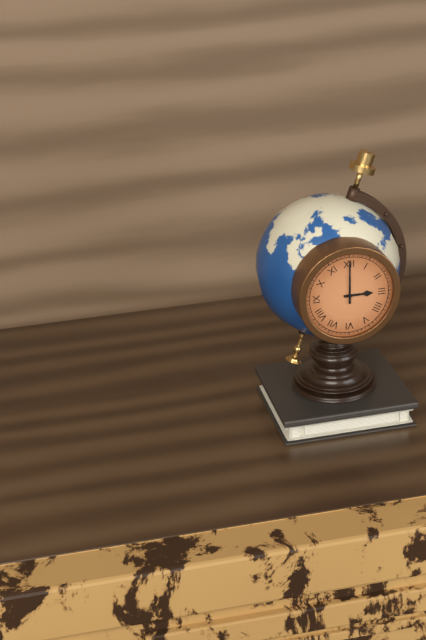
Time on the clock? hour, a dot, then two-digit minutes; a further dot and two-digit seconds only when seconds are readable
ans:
3.00
